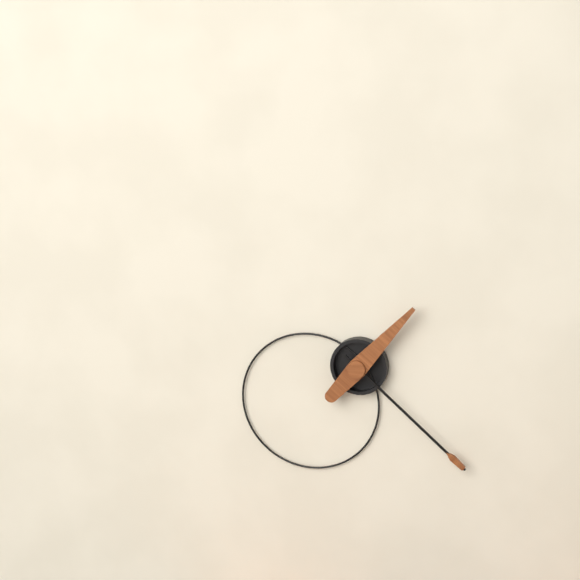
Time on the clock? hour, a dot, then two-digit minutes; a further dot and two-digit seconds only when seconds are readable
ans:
1.22
